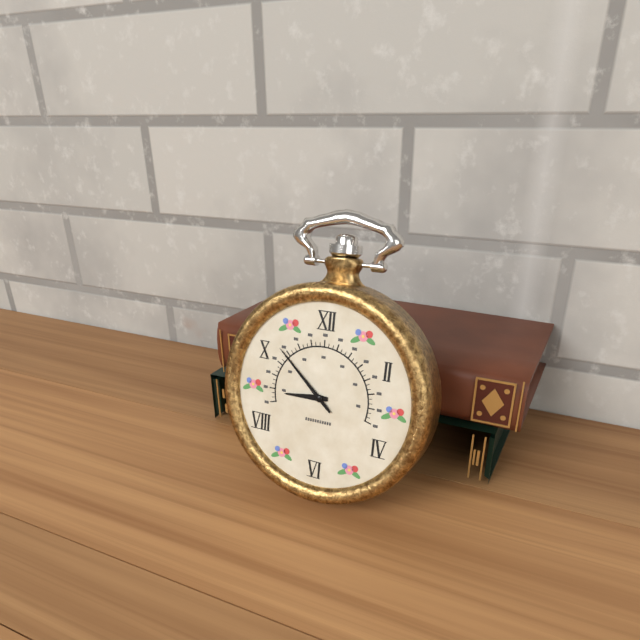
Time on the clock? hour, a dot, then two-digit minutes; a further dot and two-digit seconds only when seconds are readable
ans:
8.52
